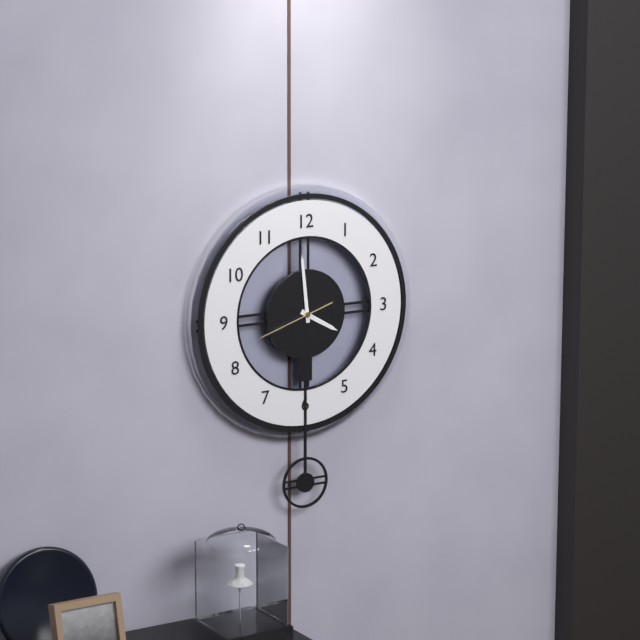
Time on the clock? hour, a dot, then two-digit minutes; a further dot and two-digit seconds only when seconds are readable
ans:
3.59.42
